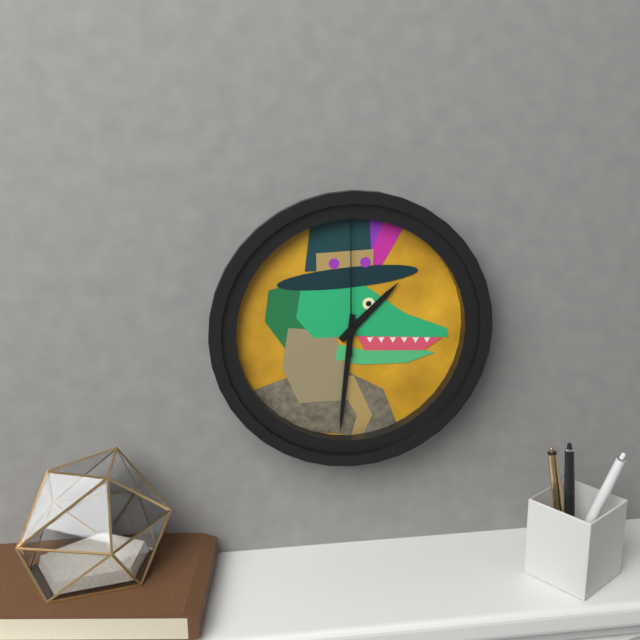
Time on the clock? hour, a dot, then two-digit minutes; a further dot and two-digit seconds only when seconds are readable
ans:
1.31.00
